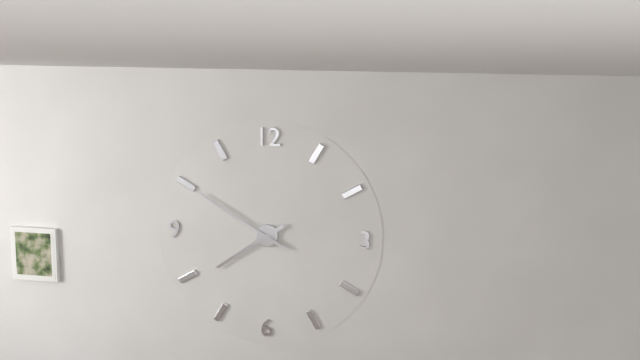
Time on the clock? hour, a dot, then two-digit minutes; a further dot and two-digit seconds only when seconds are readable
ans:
7.50
